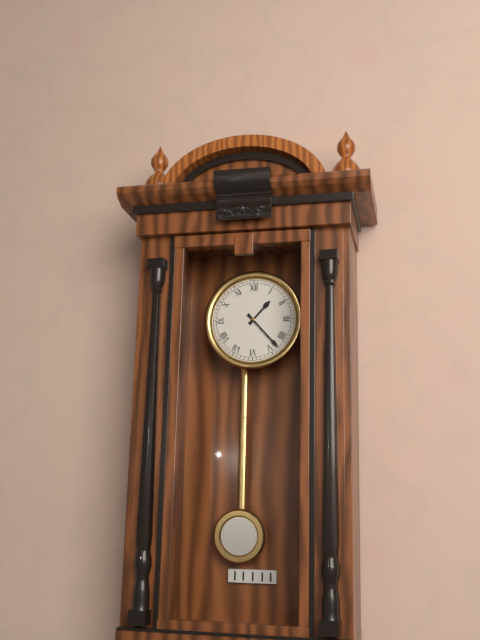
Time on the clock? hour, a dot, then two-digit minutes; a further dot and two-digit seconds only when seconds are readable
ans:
1.23
